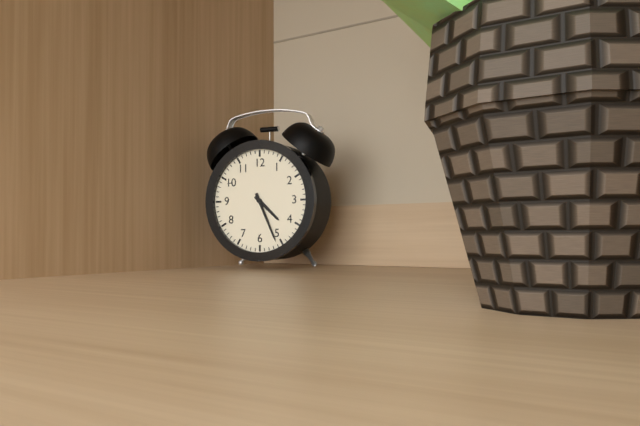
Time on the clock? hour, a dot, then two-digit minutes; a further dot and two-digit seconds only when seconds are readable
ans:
4.26
